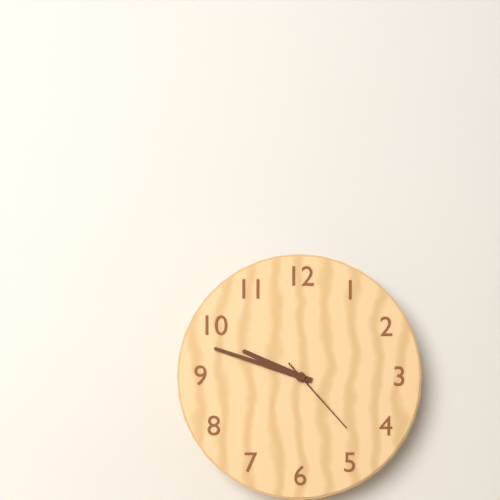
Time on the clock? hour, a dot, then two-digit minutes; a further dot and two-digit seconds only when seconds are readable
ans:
9.48.23
